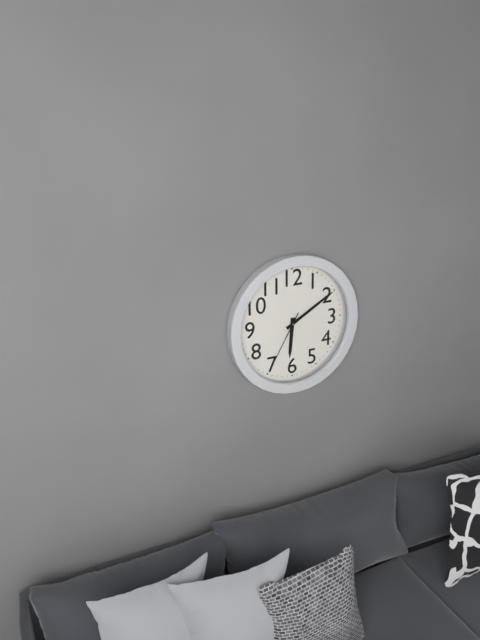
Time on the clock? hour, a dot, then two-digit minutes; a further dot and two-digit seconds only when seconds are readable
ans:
6.10.35
